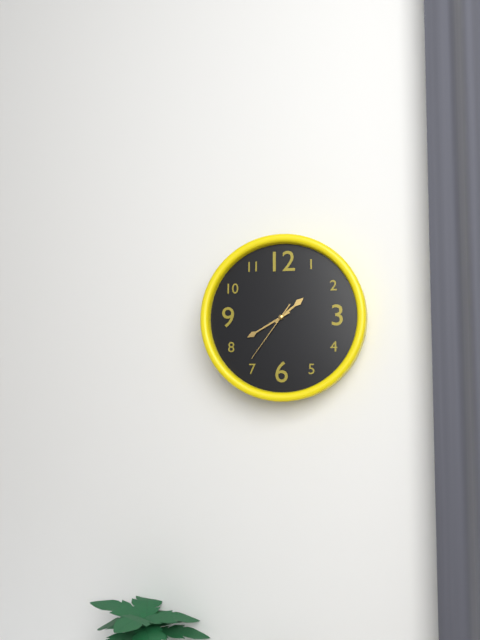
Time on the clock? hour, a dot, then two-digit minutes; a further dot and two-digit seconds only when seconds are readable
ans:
1.40.36
